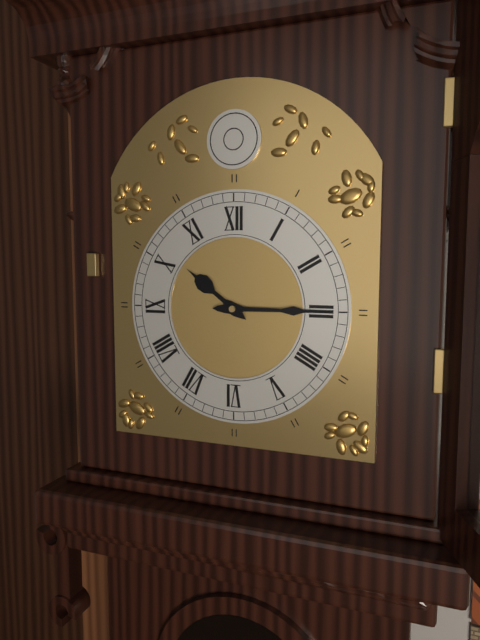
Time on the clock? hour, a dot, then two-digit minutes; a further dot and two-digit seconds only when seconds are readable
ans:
10.15
